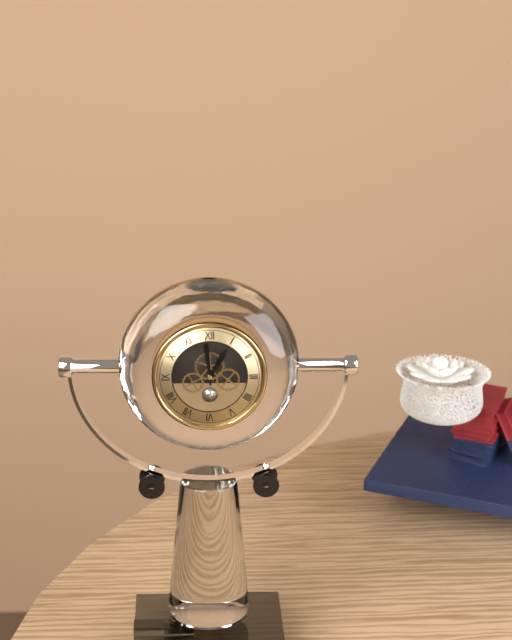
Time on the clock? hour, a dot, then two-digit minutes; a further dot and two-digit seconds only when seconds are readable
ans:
12.59
